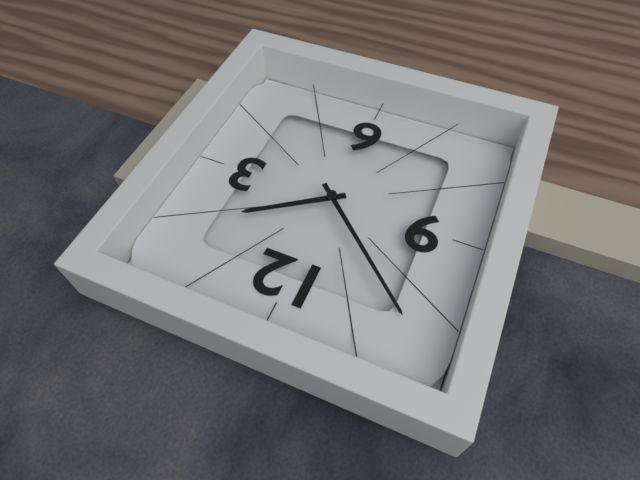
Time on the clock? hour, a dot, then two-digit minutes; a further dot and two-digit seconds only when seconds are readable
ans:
1.52
